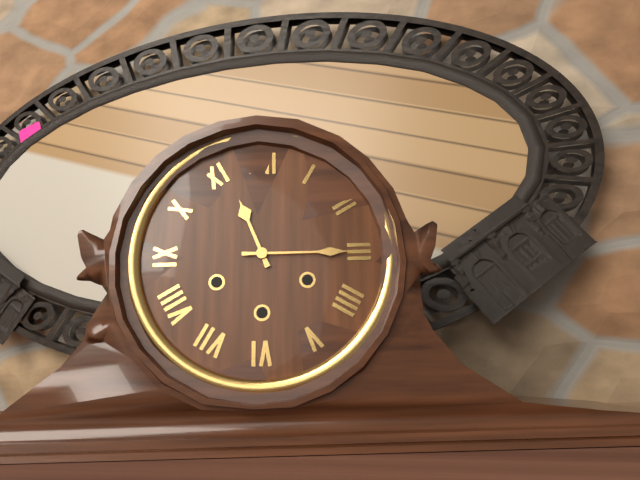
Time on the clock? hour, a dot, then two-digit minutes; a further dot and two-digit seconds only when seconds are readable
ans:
11.15
